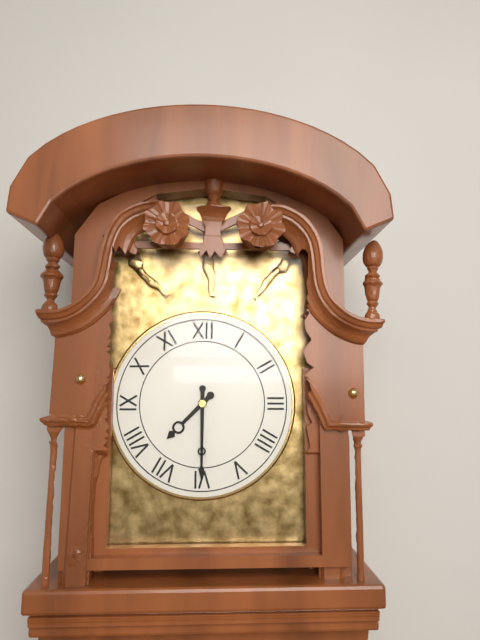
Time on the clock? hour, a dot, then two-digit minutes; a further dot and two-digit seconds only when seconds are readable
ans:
7.30
